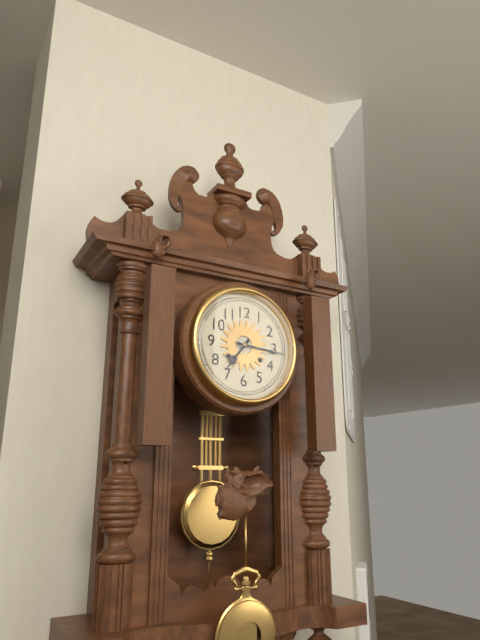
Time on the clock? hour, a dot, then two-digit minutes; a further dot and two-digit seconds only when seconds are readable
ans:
7.16
